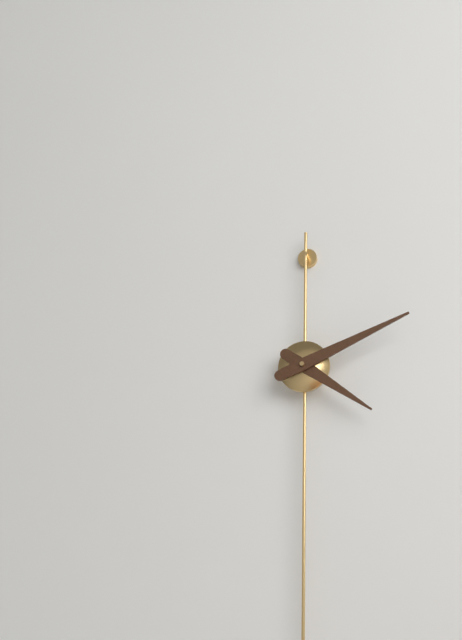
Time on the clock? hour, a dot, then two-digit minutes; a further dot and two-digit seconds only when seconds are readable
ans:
4.11
